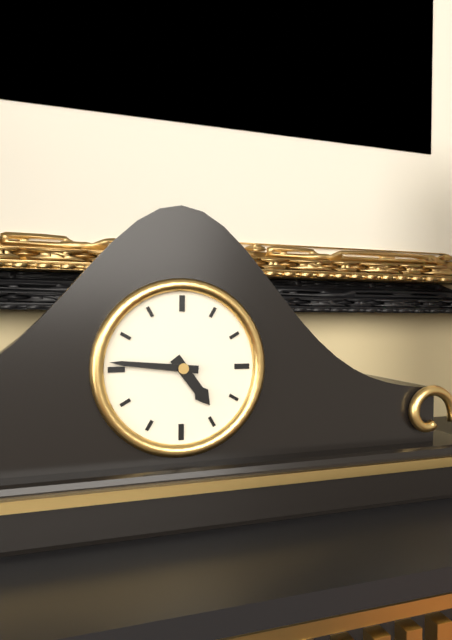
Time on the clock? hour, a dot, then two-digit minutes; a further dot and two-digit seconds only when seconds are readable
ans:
4.46
